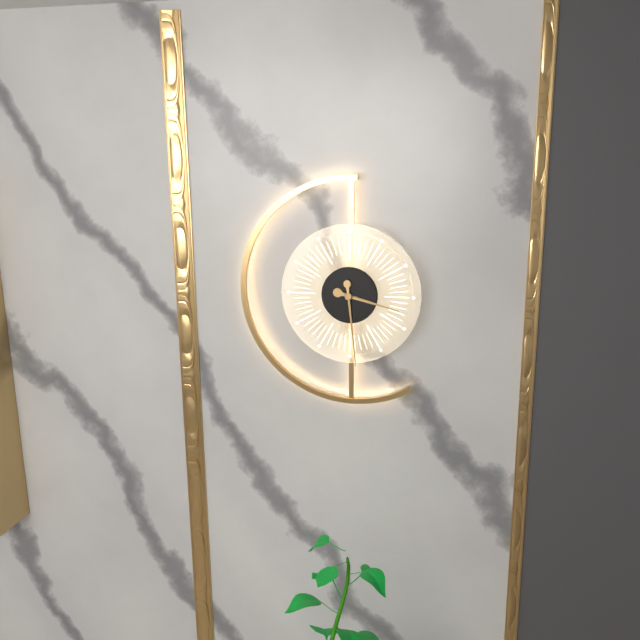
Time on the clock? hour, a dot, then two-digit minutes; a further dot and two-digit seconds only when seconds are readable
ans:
3.29
